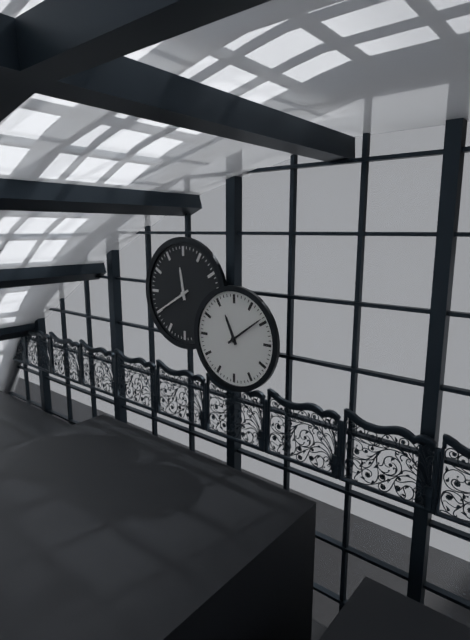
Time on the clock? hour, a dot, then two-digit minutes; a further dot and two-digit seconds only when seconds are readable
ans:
11.09
